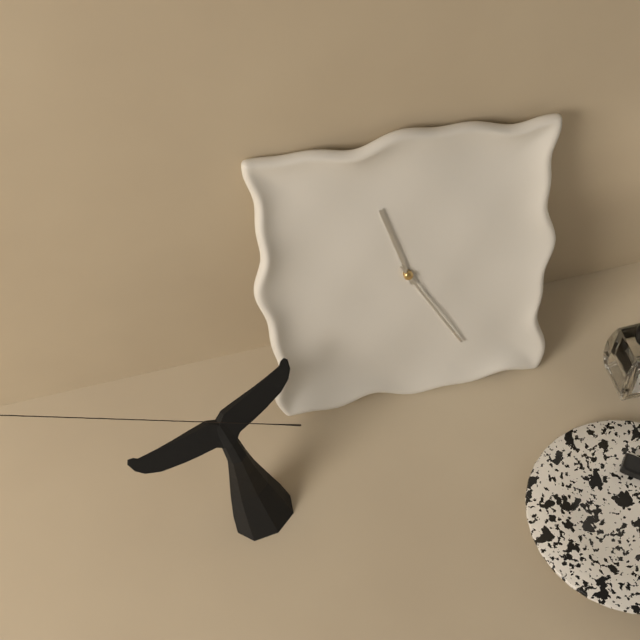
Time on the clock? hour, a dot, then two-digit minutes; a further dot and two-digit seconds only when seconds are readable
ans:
11.25
